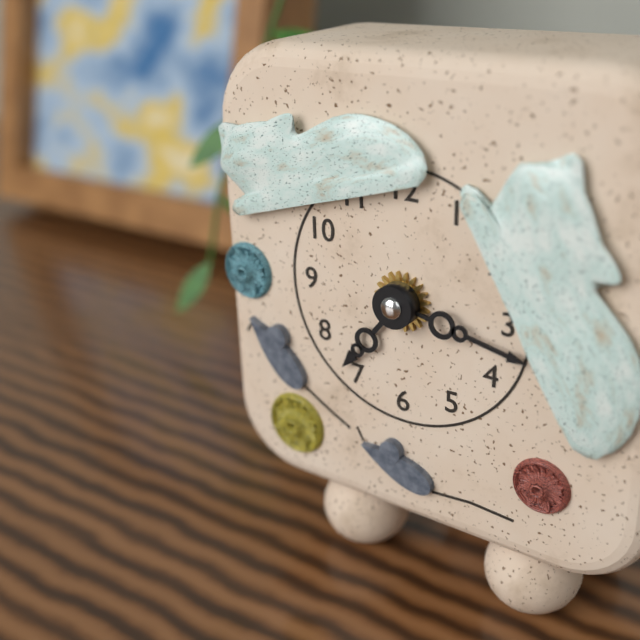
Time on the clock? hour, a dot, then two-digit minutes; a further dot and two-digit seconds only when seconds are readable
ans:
7.17
